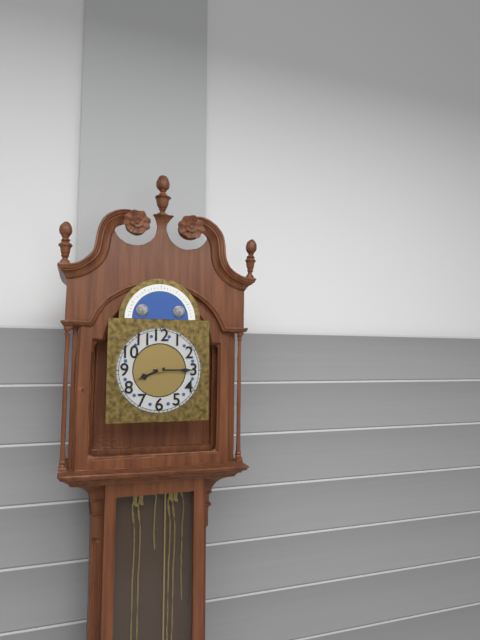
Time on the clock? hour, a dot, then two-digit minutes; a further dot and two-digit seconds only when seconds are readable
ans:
8.15
